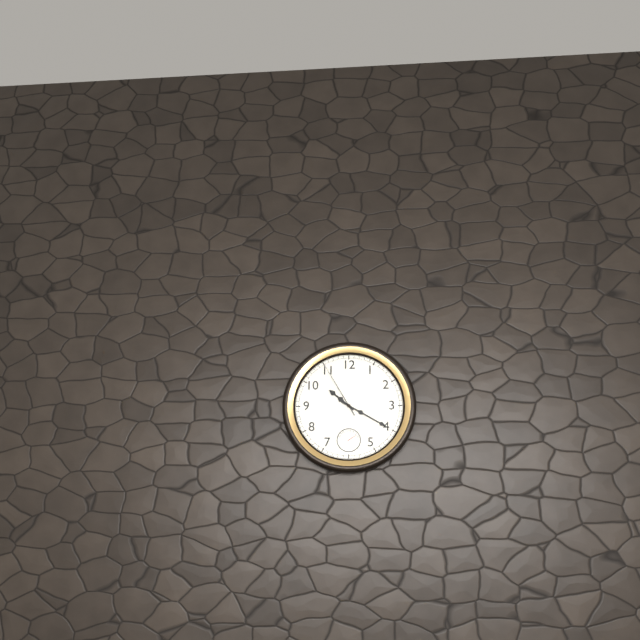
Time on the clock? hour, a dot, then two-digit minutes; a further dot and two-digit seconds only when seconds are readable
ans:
10.20.55
